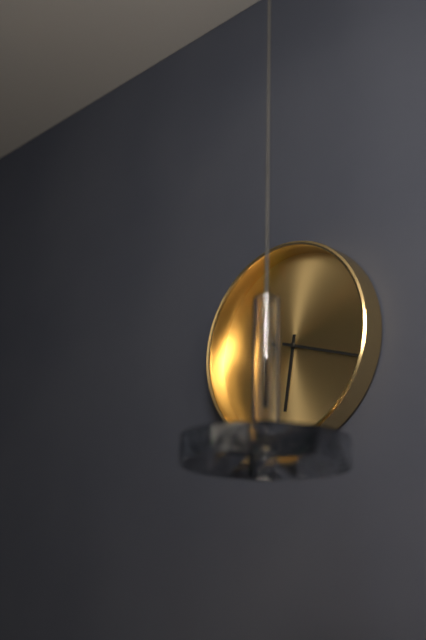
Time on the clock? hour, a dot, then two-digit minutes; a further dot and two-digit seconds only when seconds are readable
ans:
6.18
